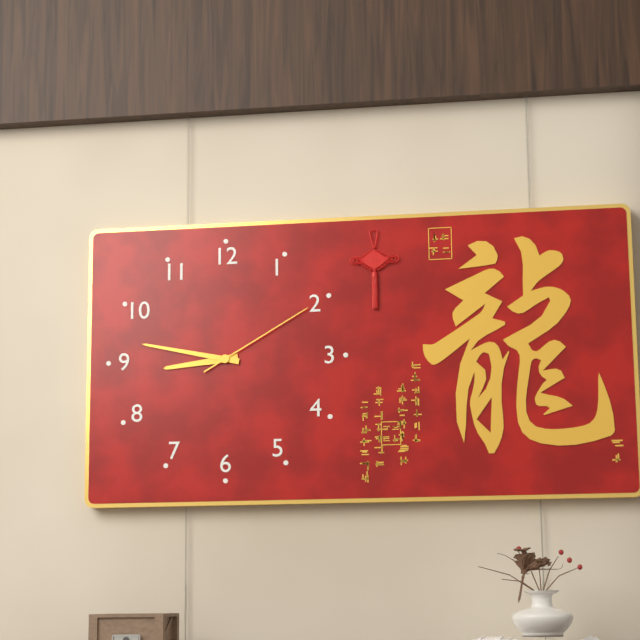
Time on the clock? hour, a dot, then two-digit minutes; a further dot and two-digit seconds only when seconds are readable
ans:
8.47.10
